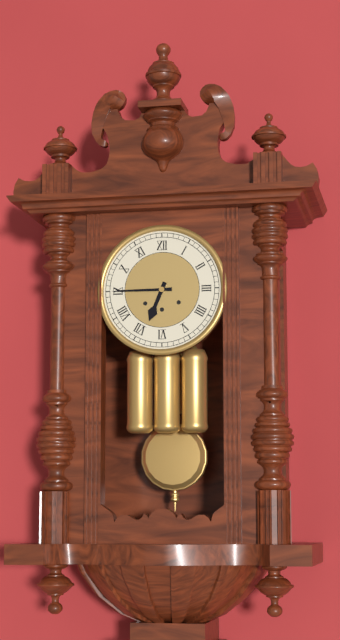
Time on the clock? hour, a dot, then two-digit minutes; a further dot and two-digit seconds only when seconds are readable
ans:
6.45
